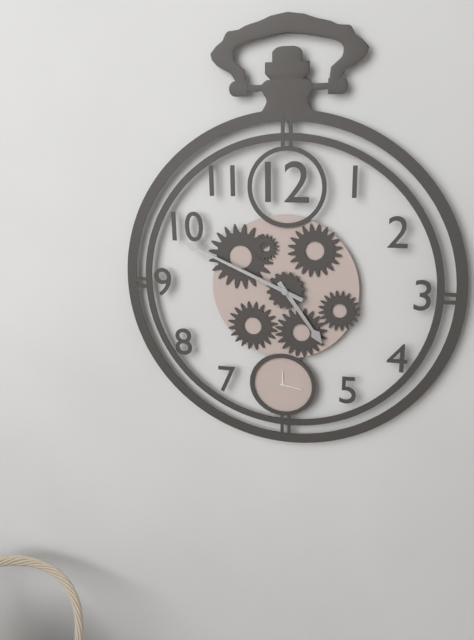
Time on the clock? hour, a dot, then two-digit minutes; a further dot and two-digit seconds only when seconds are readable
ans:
4.49
